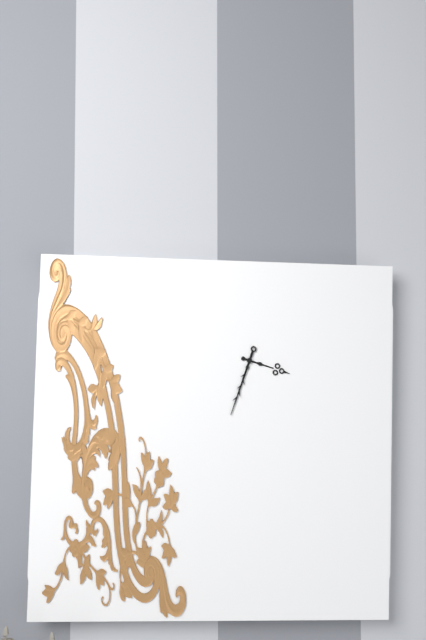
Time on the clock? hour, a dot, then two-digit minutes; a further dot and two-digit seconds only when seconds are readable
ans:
3.33
